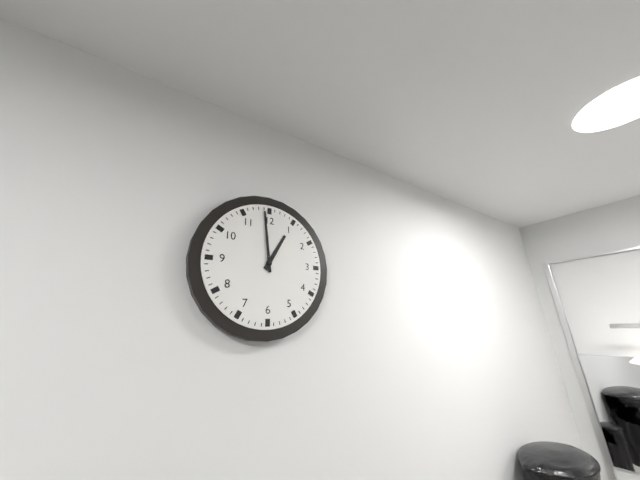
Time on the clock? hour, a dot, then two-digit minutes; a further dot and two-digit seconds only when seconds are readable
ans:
12.59
